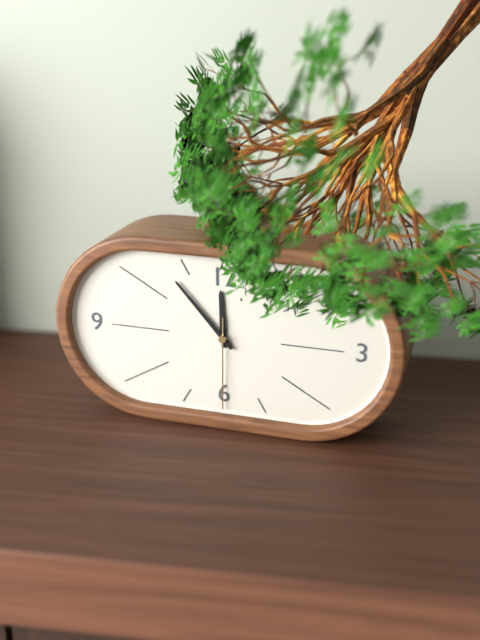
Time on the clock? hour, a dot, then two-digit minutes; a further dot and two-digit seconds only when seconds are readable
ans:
11.53.30
